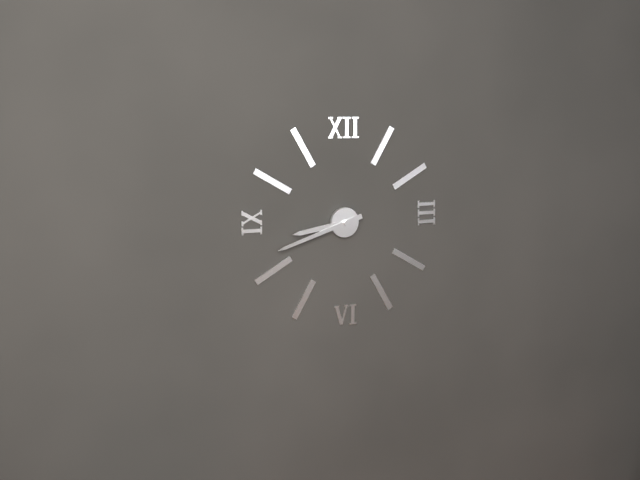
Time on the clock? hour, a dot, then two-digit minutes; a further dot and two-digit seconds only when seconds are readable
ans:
8.42
